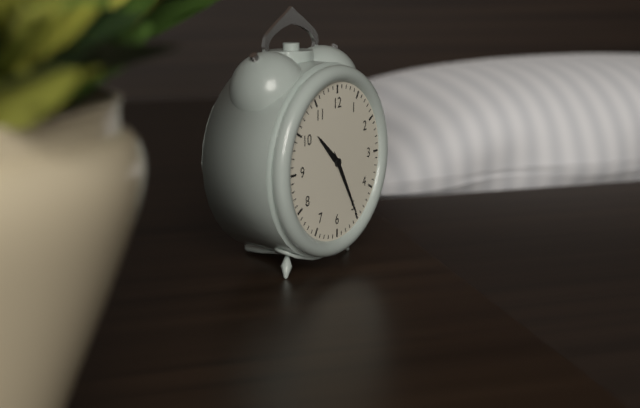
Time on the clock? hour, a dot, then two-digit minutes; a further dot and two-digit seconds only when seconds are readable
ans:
10.25
